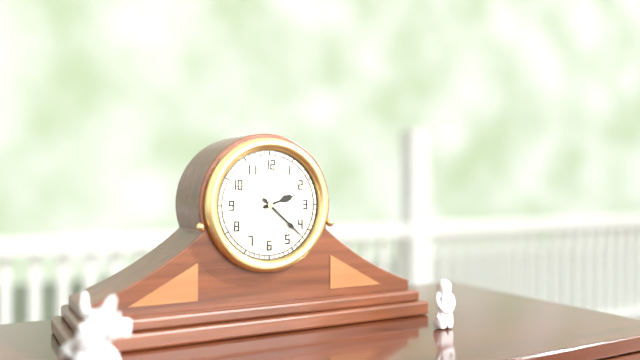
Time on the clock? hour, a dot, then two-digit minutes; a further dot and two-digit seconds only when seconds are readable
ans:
2.22
